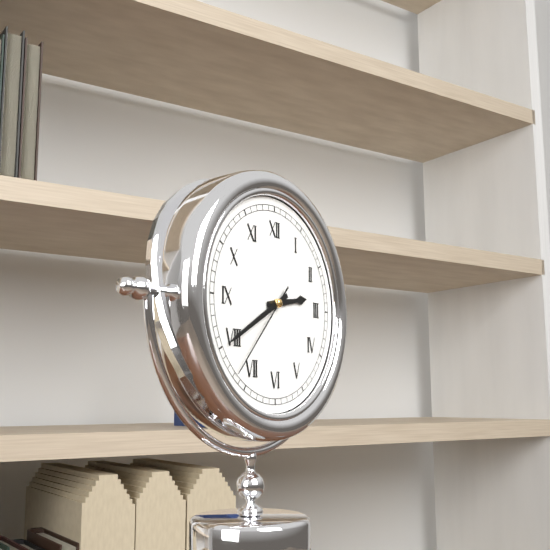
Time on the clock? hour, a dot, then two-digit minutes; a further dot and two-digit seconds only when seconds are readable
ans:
2.40.37
